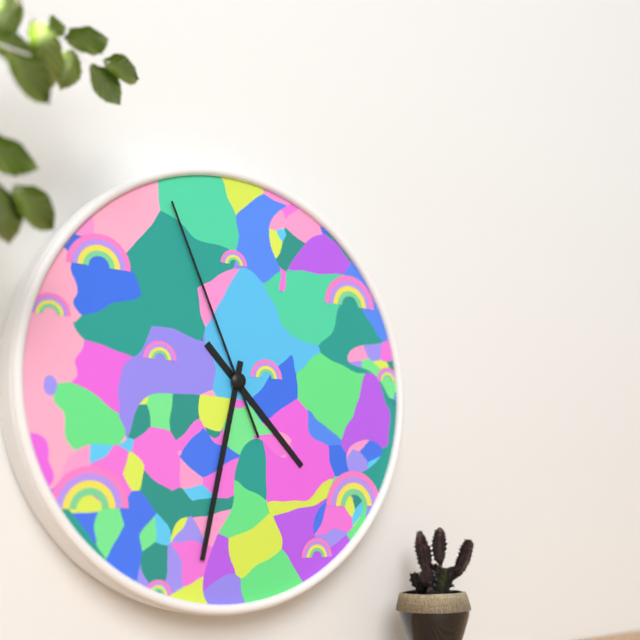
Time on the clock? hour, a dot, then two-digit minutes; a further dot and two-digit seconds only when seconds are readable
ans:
4.32.56
